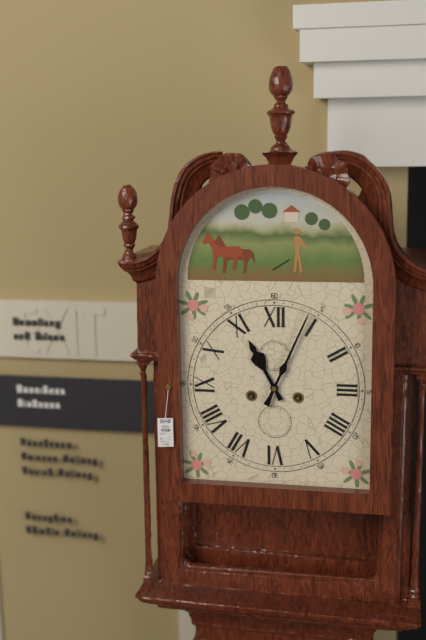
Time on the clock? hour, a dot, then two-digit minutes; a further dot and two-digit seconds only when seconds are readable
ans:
11.04
